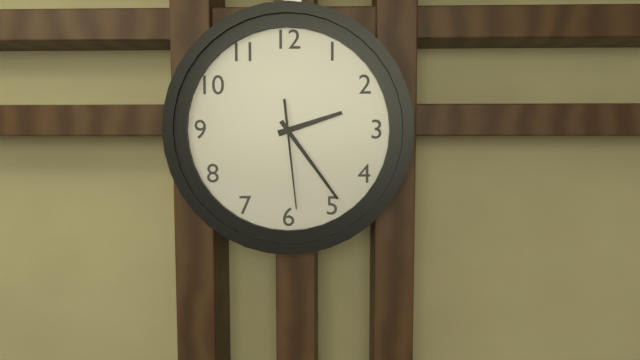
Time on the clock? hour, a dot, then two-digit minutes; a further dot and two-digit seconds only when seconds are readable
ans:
2.24.29
